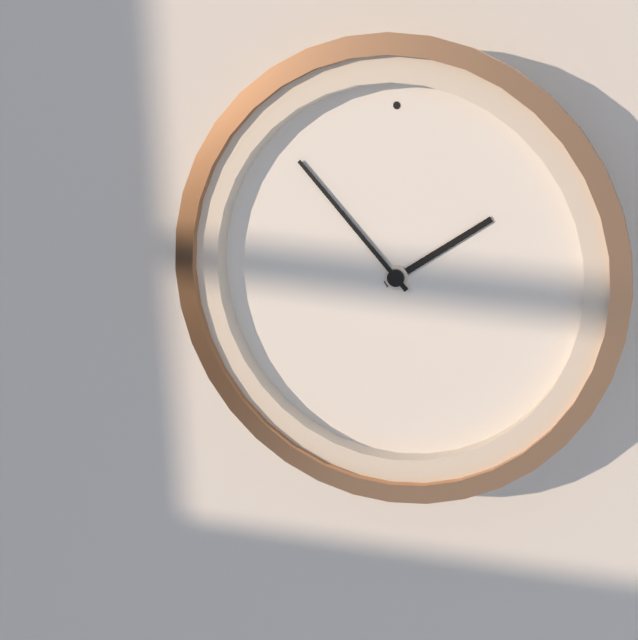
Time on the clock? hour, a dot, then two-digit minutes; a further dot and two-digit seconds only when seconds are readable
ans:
1.53
